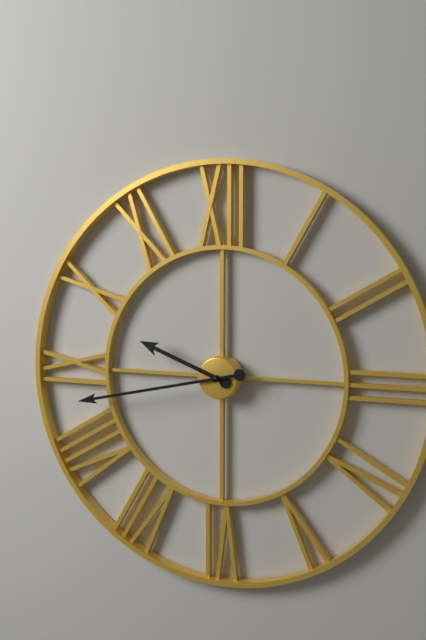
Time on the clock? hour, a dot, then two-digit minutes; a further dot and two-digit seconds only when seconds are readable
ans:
9.43
